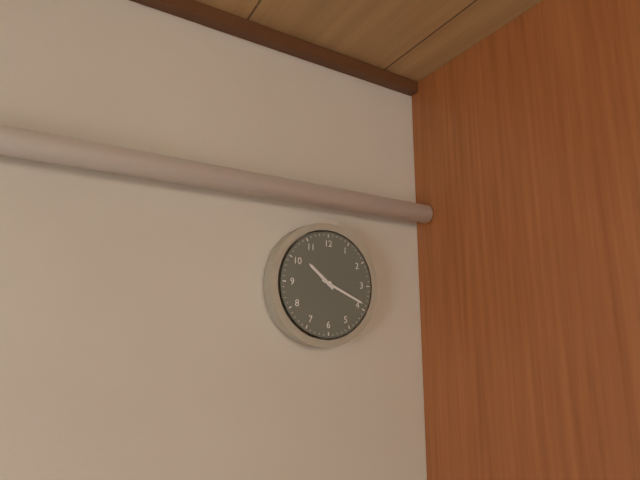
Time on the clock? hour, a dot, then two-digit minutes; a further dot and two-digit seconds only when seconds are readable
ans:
10.19
